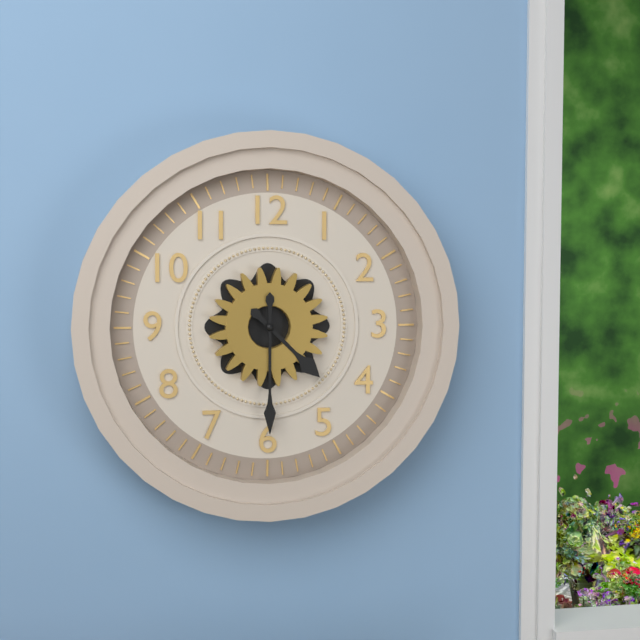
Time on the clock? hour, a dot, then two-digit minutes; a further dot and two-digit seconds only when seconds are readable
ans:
4.30
